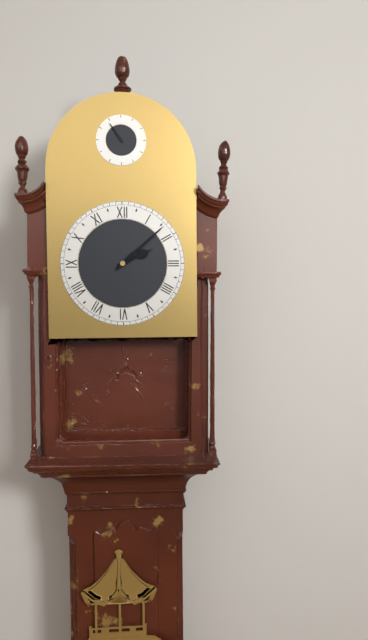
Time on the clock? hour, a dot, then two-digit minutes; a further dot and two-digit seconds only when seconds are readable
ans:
2.08
